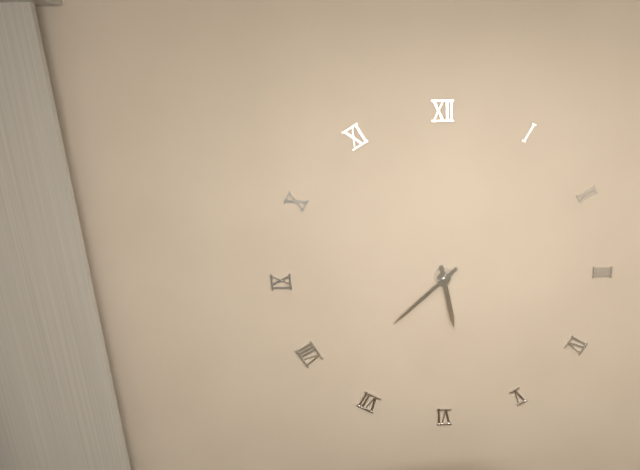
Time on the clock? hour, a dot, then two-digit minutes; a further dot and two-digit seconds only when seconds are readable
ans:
5.38
